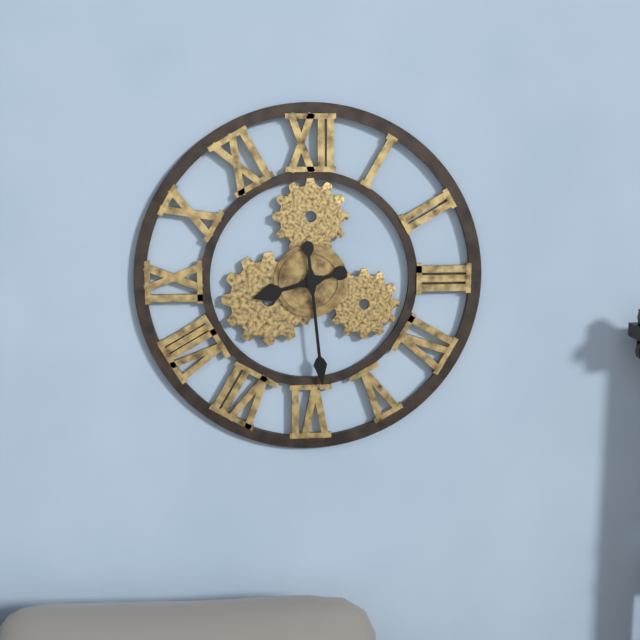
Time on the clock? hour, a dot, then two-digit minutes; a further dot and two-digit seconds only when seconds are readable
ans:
8.29
